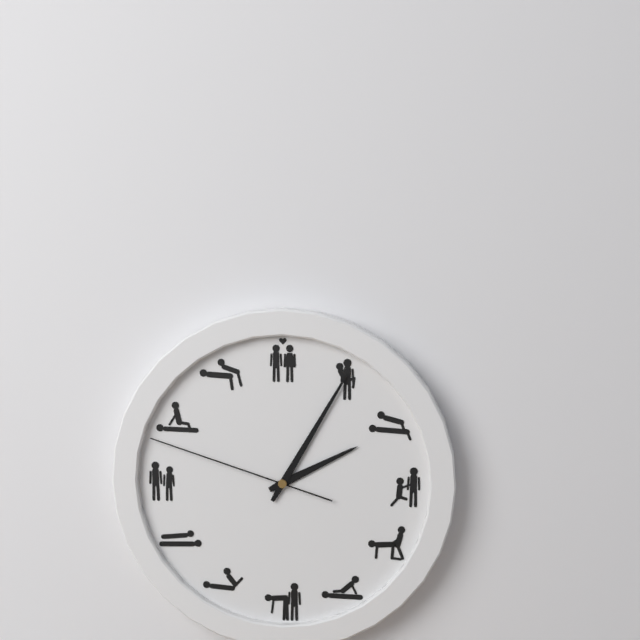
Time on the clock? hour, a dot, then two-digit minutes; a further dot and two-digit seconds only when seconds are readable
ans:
2.05.48
